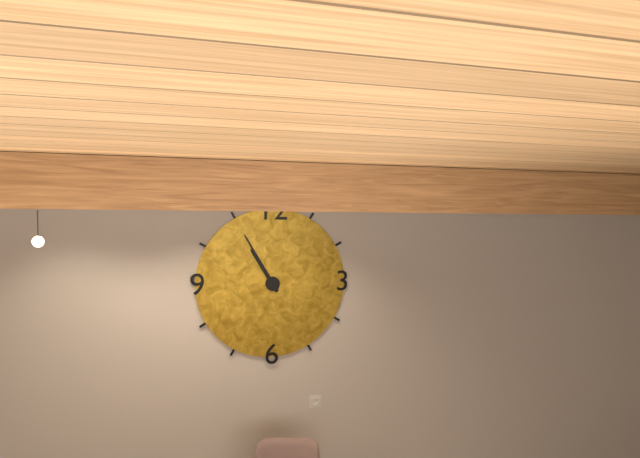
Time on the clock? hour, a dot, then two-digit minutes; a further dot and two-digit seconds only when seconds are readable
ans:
10.55
